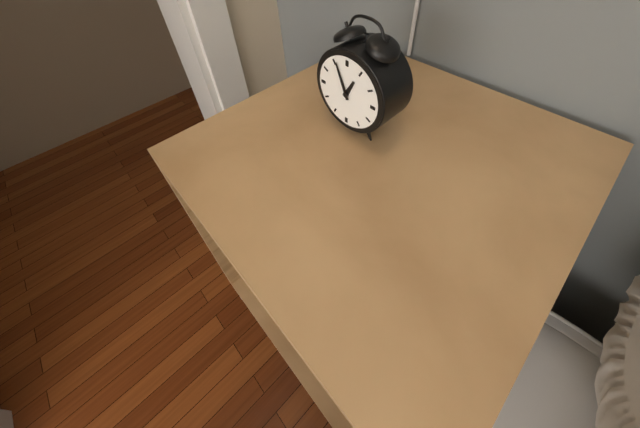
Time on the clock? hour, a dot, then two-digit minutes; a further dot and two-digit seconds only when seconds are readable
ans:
12.56
